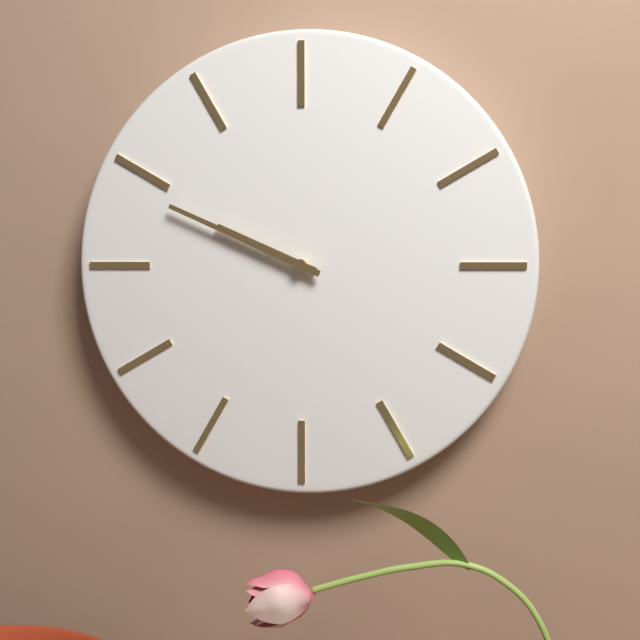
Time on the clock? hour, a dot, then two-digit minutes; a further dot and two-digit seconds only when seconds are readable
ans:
9.49
